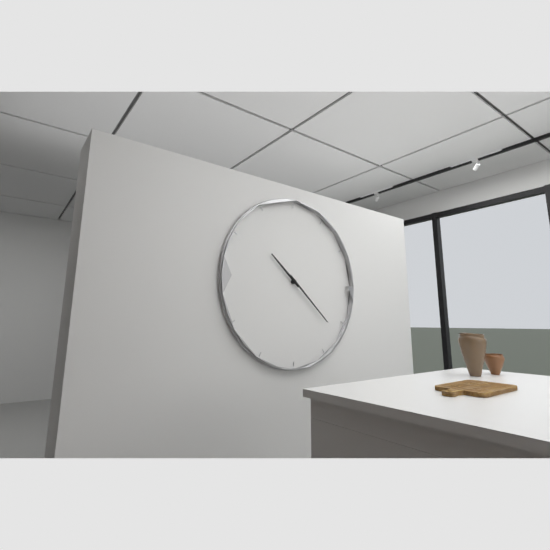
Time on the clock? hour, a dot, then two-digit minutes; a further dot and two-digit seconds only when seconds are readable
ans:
10.22
